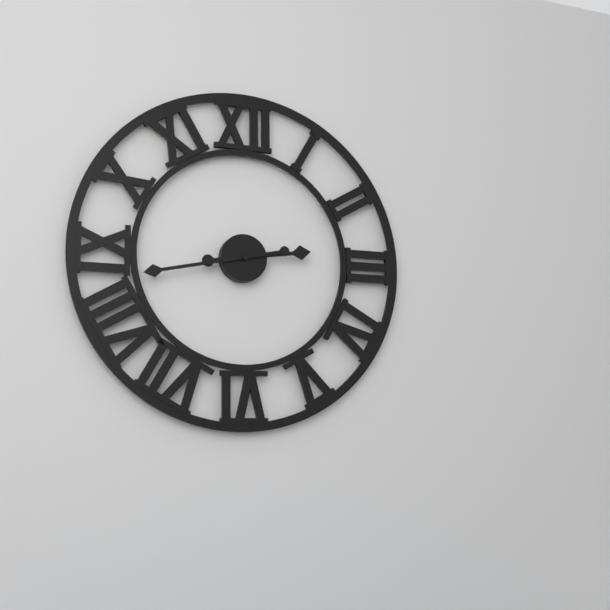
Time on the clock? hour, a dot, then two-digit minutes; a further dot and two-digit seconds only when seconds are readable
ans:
2.43
